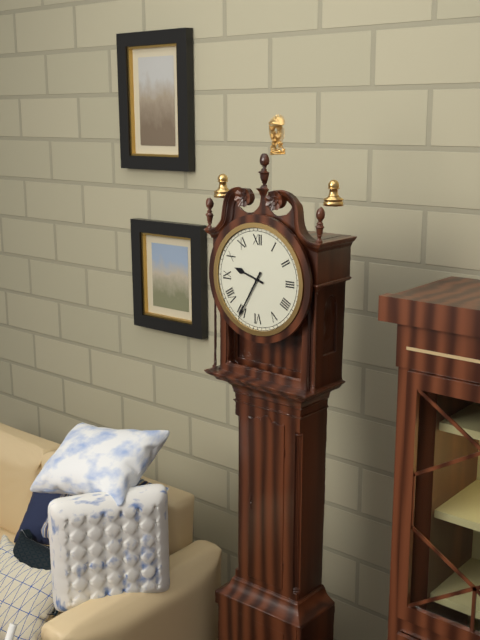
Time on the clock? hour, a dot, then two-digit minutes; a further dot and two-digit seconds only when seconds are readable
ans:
9.35
